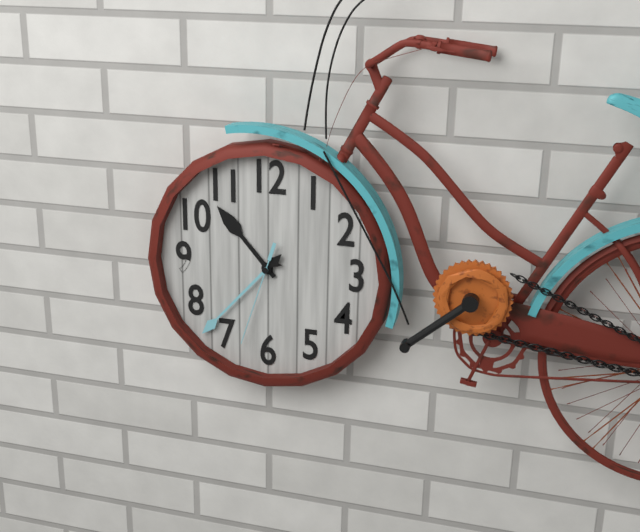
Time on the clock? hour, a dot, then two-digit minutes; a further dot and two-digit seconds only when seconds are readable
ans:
10.37.33
